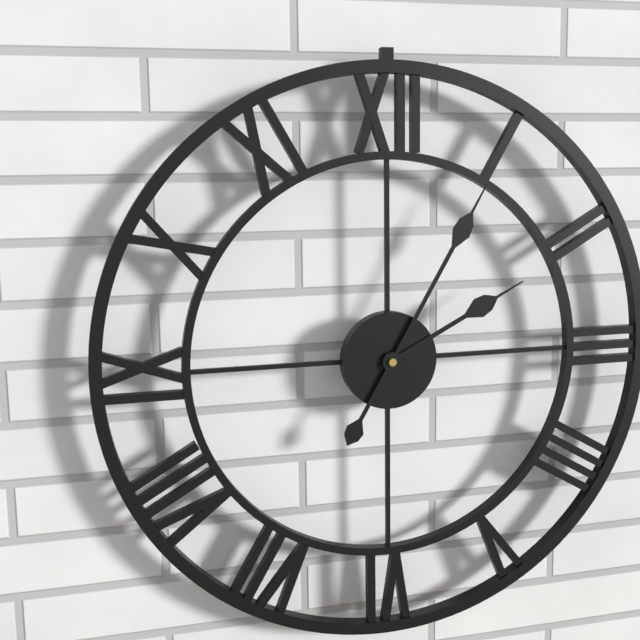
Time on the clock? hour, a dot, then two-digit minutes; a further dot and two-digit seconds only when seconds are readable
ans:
2.05
